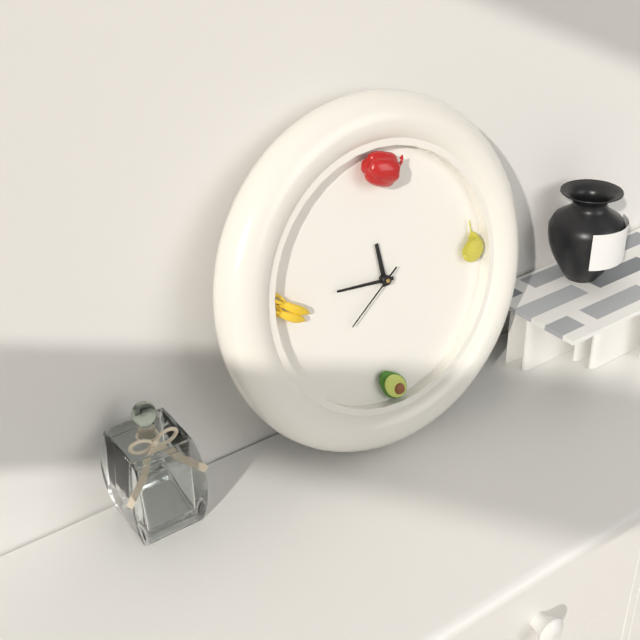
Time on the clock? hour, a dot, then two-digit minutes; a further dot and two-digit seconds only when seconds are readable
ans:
11.46.39
